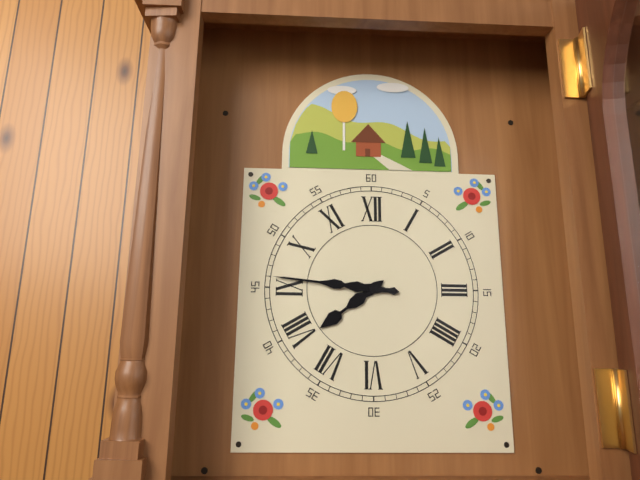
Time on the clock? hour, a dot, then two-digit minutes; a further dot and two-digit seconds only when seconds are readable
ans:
7.46
